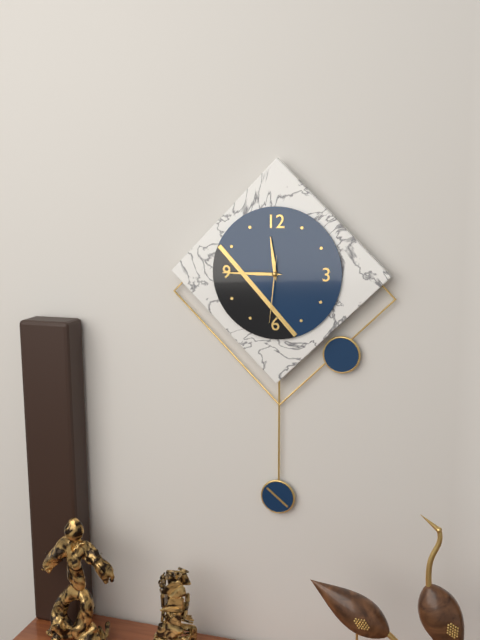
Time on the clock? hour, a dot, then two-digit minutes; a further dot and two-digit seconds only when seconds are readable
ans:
11.45.31
